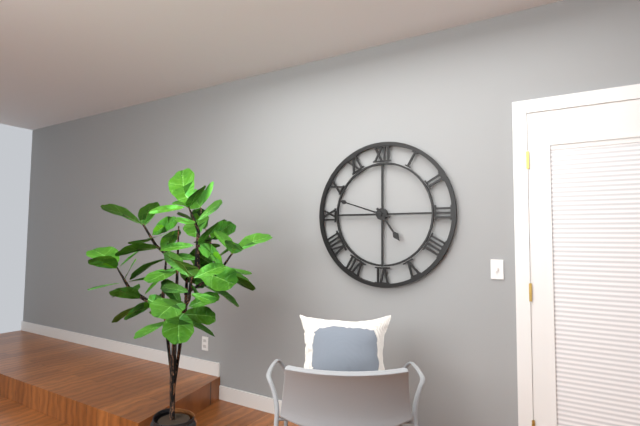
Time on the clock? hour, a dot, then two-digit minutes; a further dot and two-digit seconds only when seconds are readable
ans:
4.48
